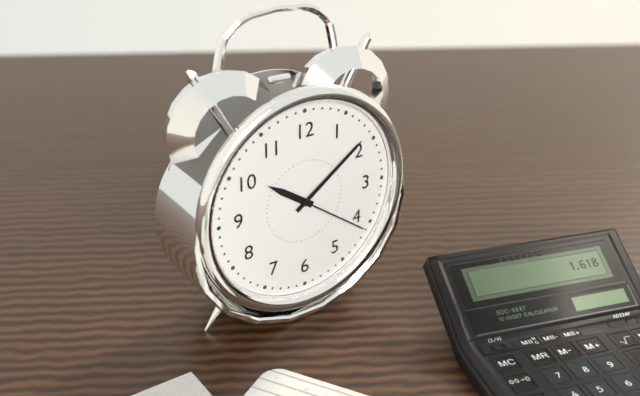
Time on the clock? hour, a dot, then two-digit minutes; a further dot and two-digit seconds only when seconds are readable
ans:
10.09.21
